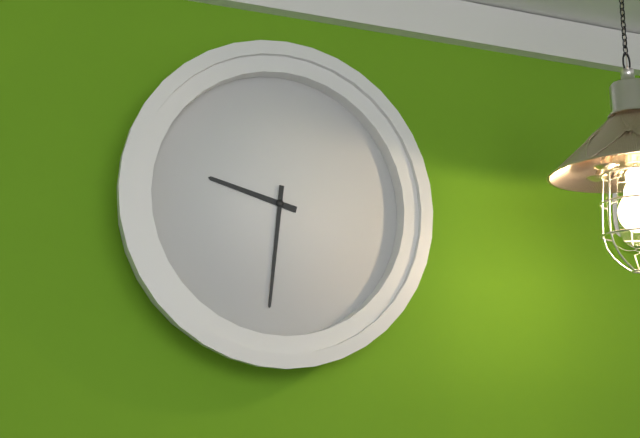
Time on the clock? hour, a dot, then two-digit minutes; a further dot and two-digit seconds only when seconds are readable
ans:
9.31
